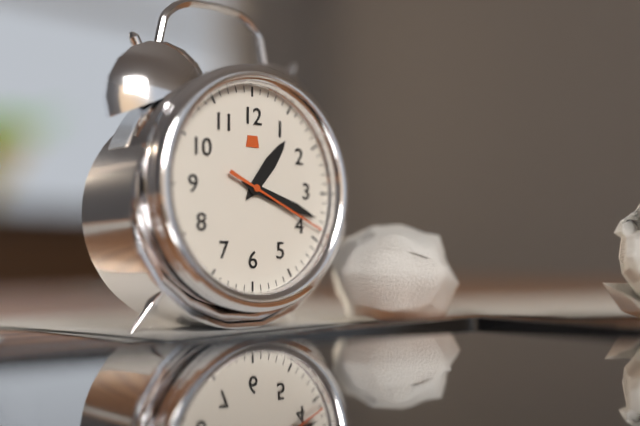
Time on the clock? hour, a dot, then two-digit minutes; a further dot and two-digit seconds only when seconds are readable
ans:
1.18.19
